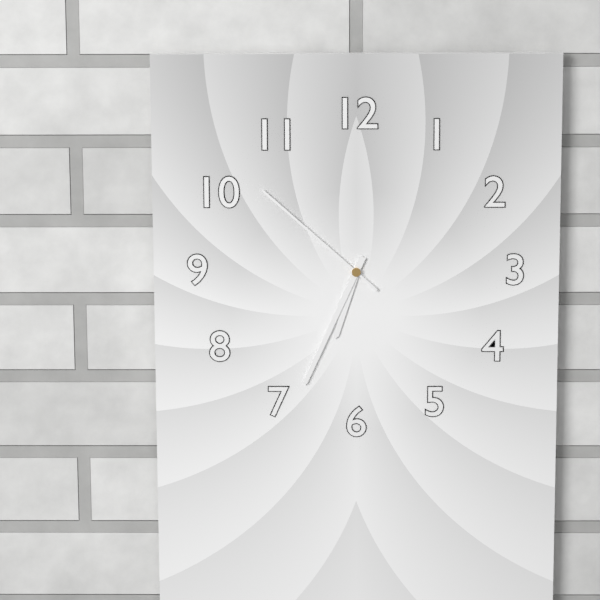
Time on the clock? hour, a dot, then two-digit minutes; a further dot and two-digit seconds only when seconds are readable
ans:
6.34.52
